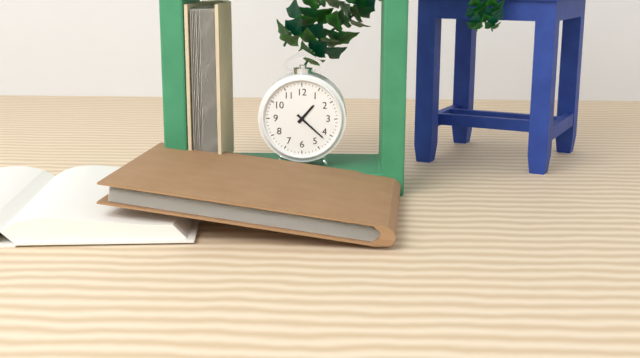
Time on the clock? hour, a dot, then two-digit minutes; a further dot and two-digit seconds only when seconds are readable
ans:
1.22
